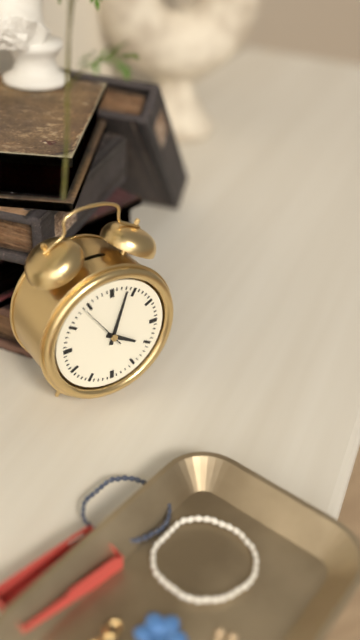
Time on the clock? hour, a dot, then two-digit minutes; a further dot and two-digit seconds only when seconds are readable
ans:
4.03
